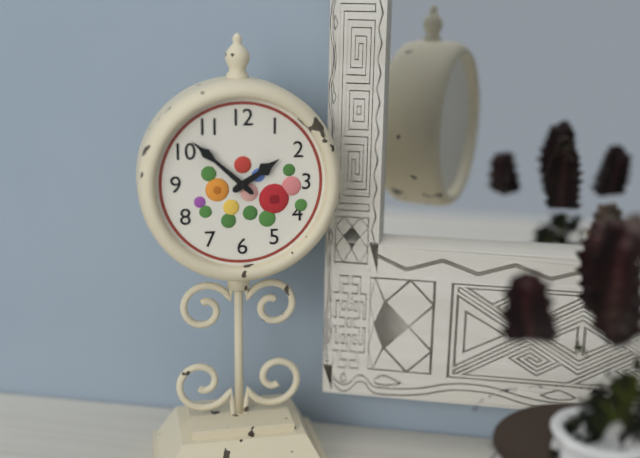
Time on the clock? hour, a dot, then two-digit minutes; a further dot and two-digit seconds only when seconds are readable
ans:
1.52
